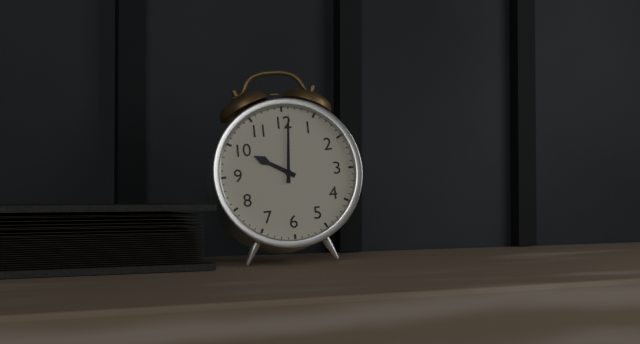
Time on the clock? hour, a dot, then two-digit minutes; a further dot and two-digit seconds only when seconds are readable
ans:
10.01
